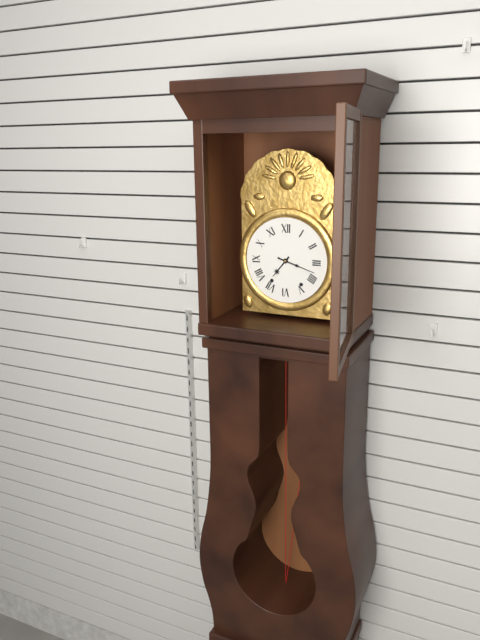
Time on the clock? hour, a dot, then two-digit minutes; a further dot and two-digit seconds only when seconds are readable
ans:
7.18
